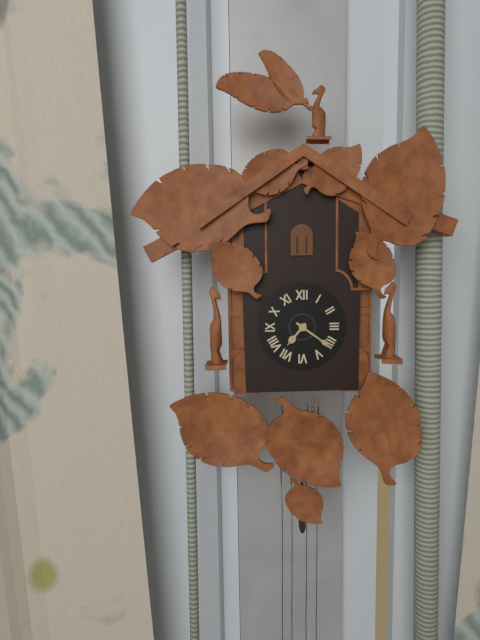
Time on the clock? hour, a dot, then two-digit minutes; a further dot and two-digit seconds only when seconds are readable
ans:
7.21
